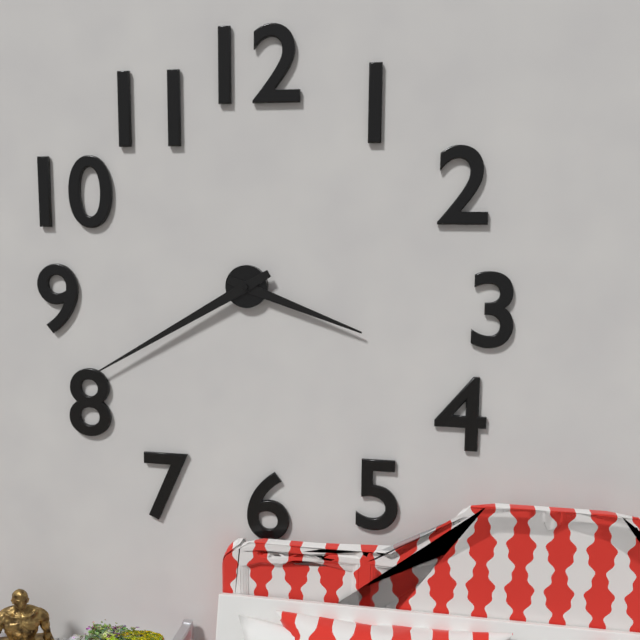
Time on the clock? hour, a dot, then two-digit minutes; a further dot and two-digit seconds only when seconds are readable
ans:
3.40
